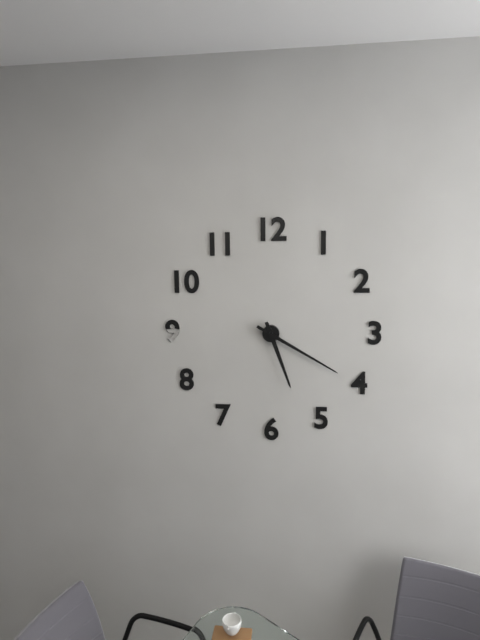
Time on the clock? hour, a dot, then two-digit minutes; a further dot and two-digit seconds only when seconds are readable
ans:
5.20
